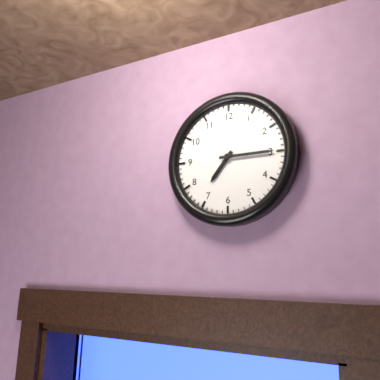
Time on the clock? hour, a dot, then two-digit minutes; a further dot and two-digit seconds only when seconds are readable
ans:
7.15
